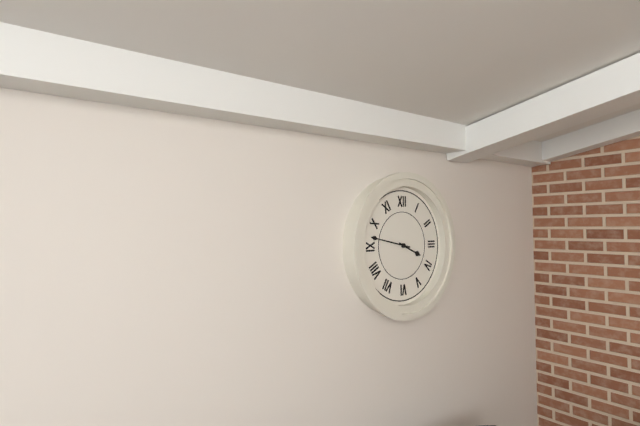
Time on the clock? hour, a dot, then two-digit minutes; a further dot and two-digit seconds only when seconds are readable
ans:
3.47
